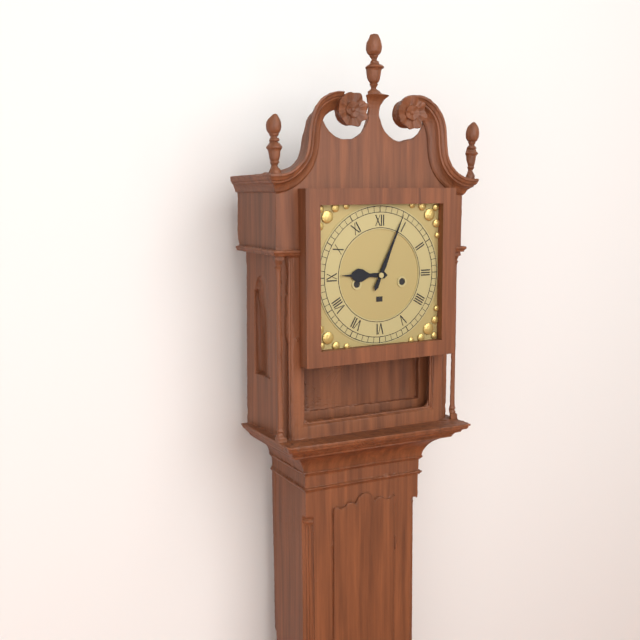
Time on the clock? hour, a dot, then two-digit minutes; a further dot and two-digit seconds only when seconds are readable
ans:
9.04
